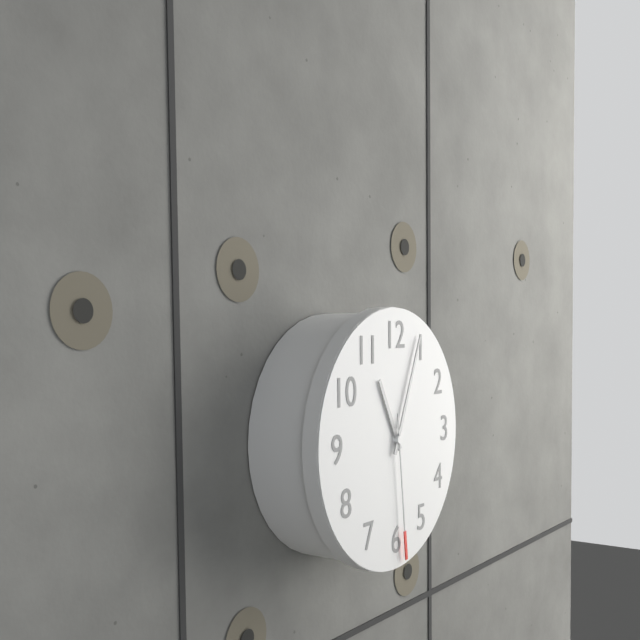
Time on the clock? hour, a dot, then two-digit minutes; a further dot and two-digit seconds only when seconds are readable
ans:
11.04.29
